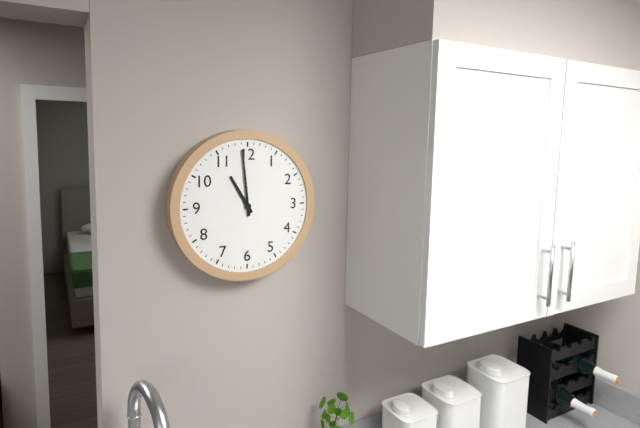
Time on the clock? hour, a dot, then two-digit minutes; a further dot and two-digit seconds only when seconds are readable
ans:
10.59
